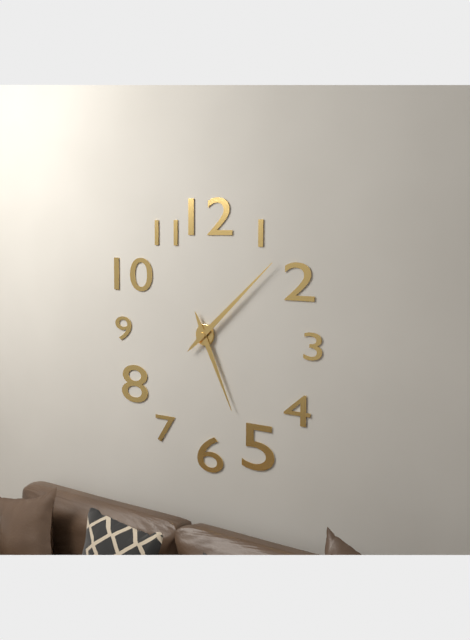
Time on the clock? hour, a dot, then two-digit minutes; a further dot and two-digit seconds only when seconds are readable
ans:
5.08
